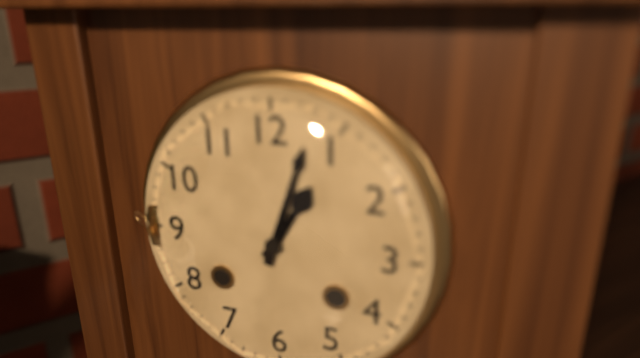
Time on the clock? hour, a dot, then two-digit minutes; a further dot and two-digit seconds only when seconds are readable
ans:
1.03
